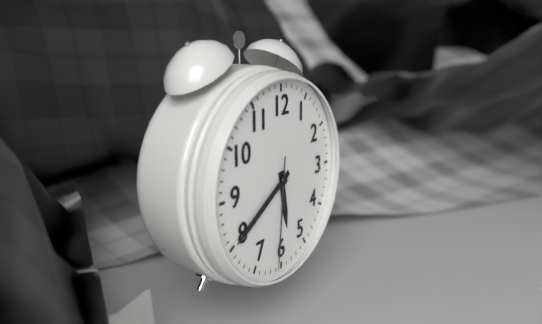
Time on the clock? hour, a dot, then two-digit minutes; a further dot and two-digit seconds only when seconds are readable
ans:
5.40.31
